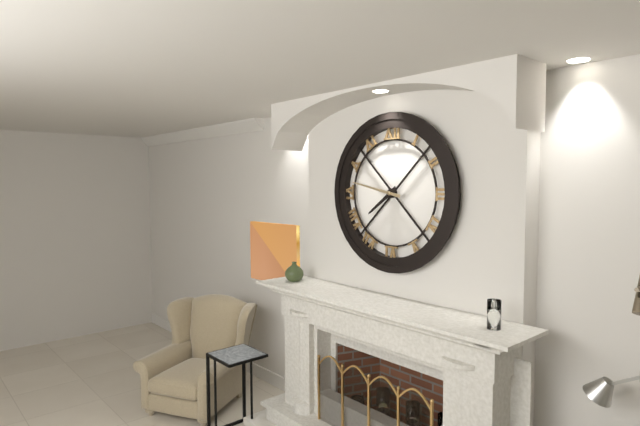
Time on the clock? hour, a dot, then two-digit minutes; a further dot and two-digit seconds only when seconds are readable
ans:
7.47
